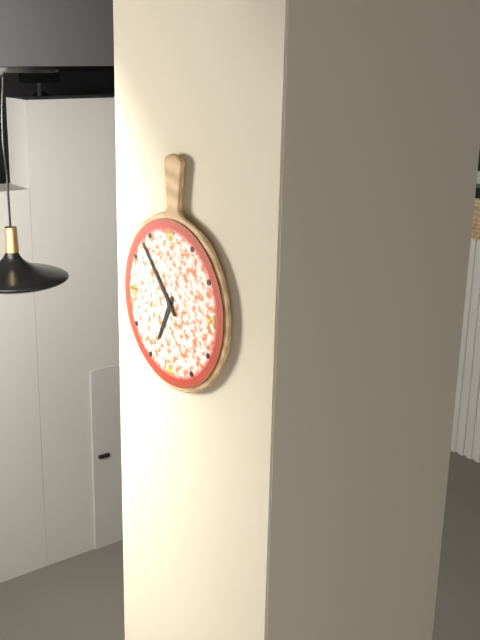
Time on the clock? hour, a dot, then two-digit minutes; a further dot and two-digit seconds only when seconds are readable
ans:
6.53
